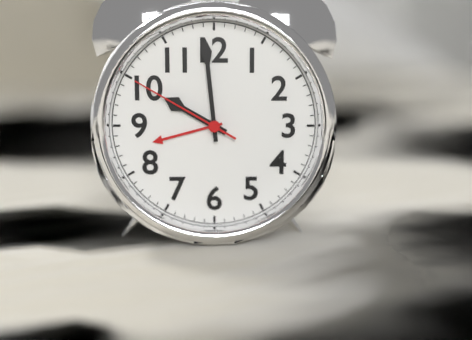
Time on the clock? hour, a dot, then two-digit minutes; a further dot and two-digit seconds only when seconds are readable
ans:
9.59.50
